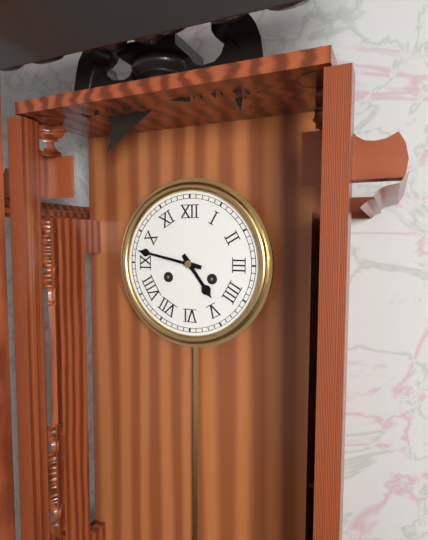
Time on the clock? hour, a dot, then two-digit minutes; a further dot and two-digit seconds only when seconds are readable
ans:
4.47
